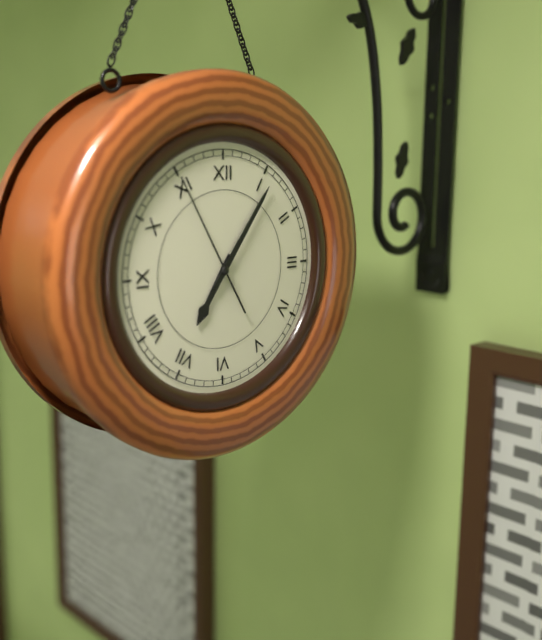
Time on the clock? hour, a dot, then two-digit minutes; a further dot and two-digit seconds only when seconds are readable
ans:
7.06.55
